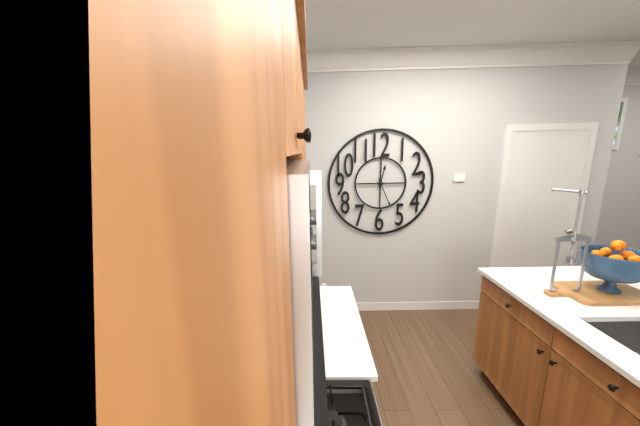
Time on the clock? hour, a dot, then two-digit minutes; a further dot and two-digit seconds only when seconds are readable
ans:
12.26
